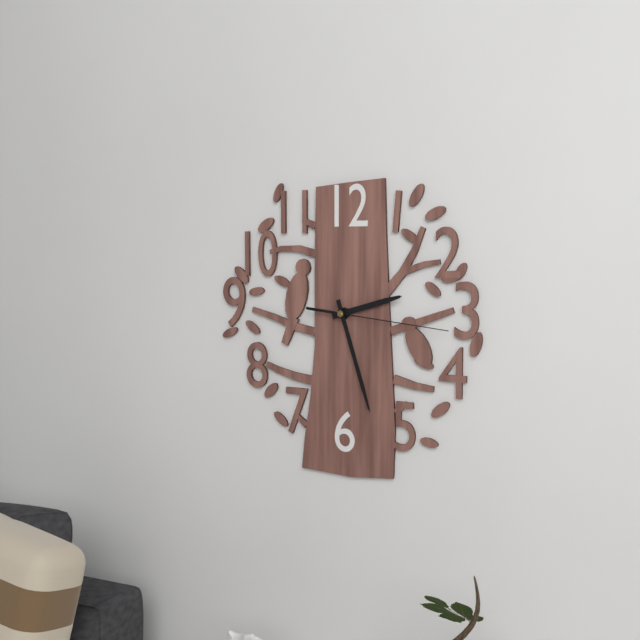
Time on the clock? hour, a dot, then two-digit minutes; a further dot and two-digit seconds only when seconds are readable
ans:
2.27.16
